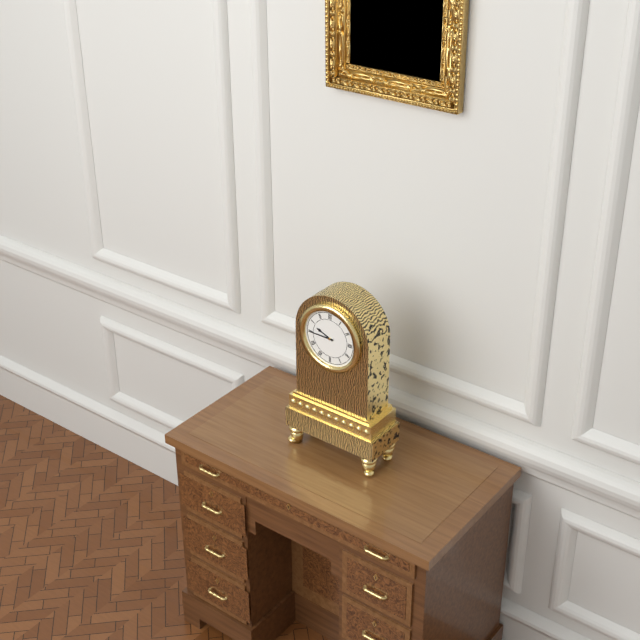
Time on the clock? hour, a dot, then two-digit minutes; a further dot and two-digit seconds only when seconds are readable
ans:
9.45
